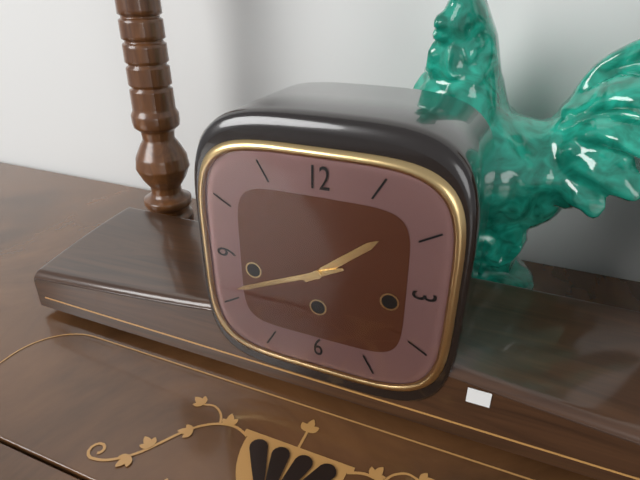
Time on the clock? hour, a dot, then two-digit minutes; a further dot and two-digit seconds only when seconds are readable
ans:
1.41
